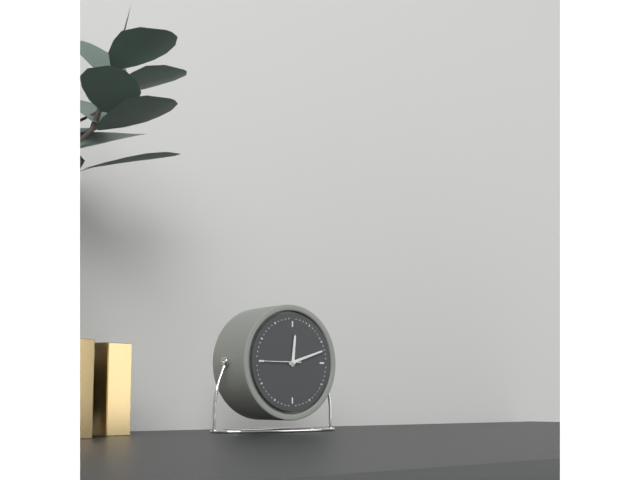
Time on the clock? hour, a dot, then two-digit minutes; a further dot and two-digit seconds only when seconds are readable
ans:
12.12
